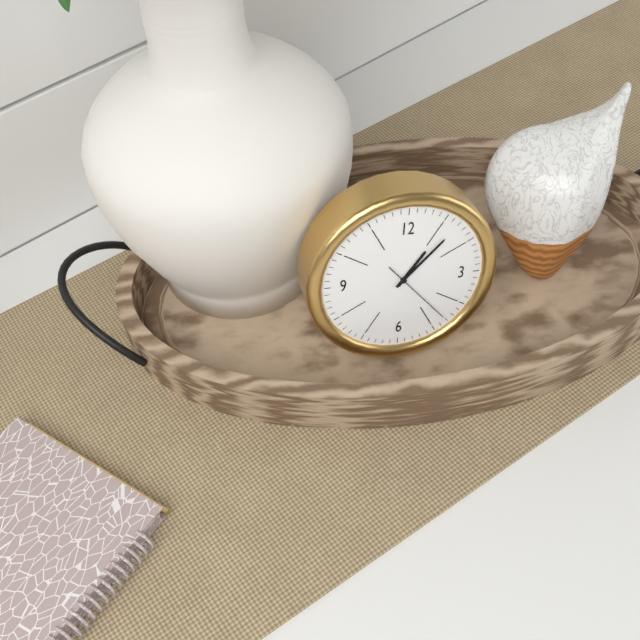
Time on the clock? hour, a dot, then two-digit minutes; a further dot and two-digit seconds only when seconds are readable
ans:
1.07.23
